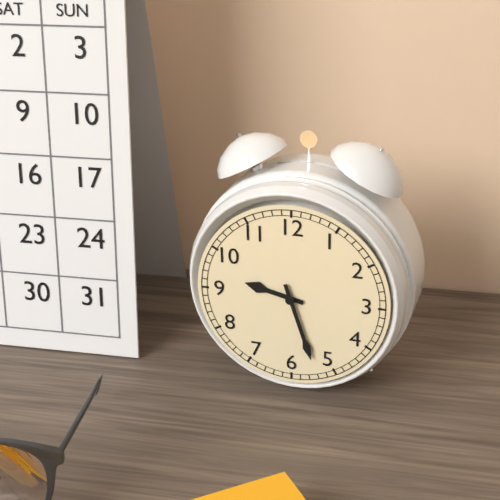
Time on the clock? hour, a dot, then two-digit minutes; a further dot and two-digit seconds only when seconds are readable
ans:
9.27
